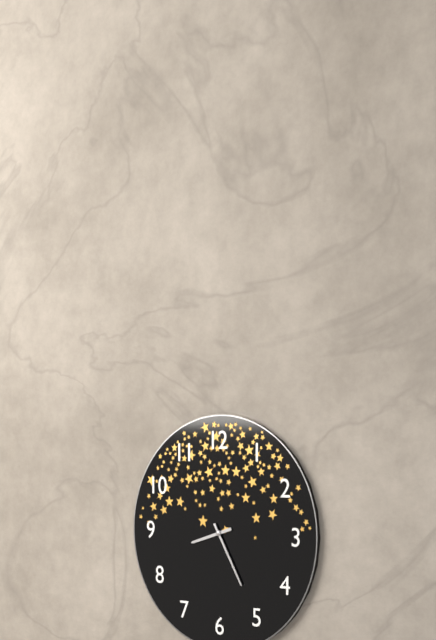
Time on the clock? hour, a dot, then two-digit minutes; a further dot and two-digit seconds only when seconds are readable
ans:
8.25
